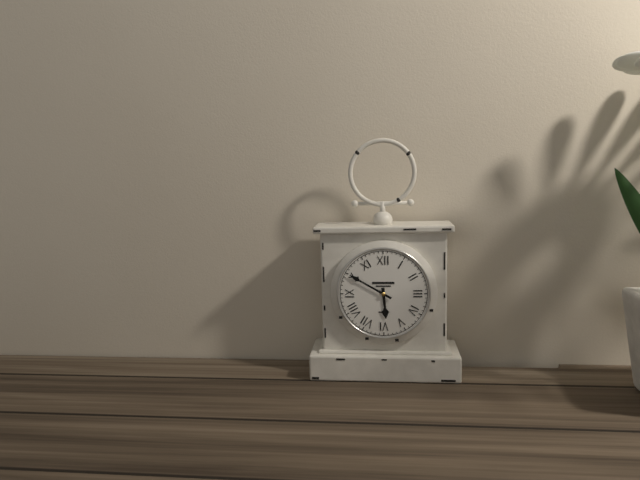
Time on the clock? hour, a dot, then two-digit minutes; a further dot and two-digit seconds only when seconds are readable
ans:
5.50
